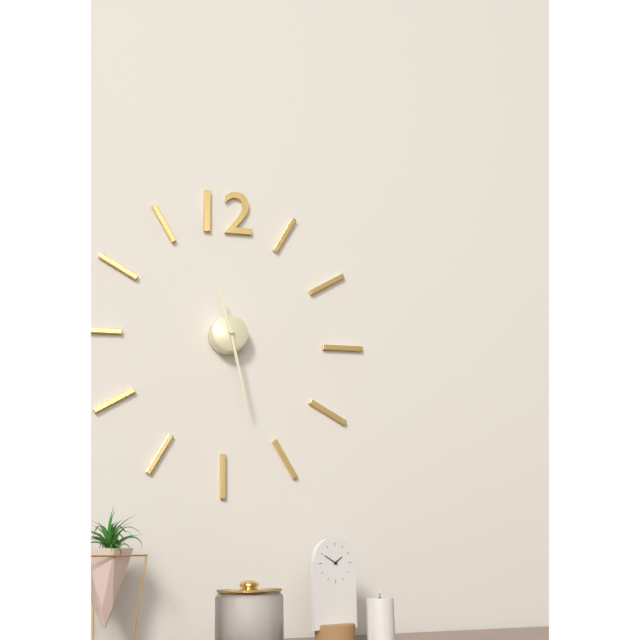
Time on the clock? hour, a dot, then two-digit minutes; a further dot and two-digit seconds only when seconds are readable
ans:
11.28
